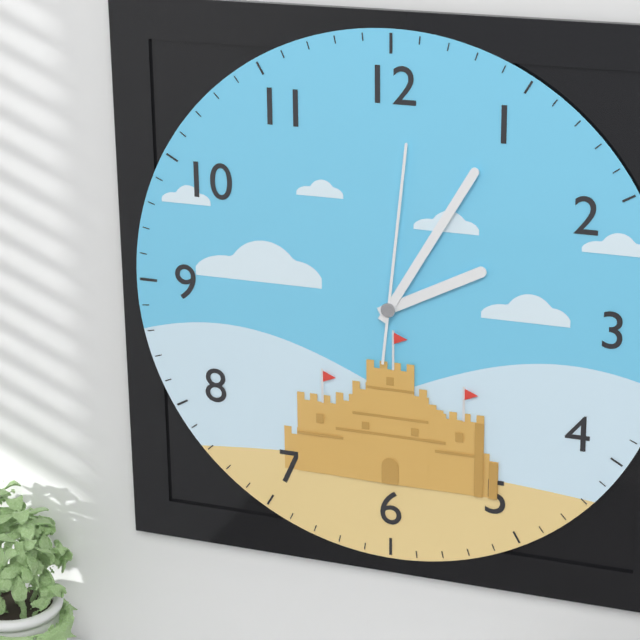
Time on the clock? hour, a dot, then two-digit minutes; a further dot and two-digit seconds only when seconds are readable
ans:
2.05.01
